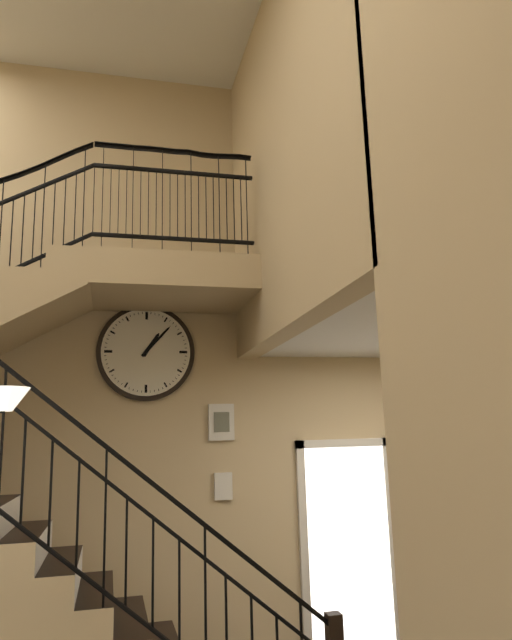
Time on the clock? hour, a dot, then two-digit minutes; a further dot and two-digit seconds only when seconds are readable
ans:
1.07
